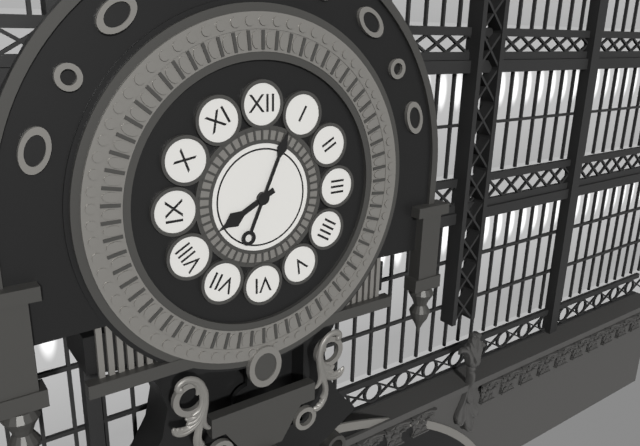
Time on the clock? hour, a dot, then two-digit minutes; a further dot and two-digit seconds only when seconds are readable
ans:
8.04
